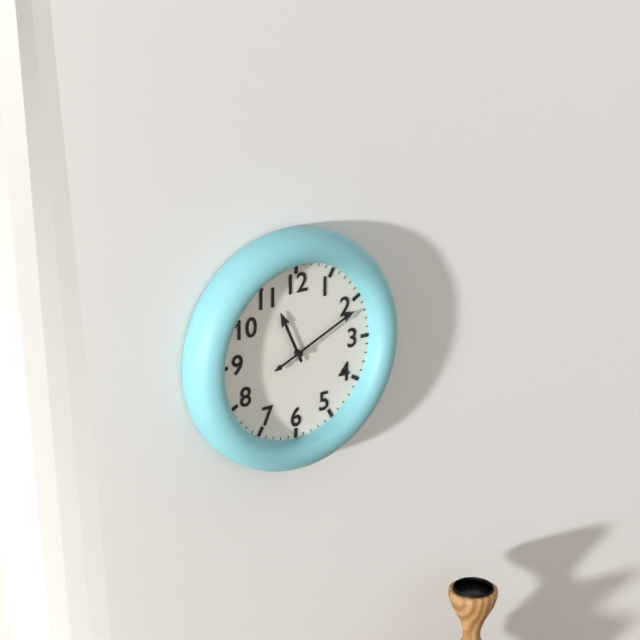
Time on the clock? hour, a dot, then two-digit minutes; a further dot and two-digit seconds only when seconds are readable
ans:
11.11
